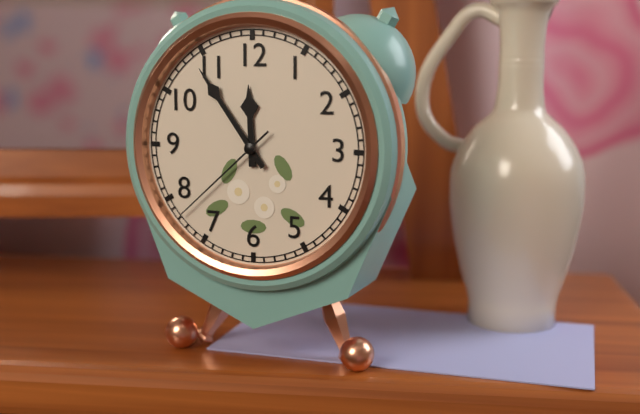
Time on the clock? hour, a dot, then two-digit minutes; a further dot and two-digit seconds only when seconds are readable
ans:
11.54.38
